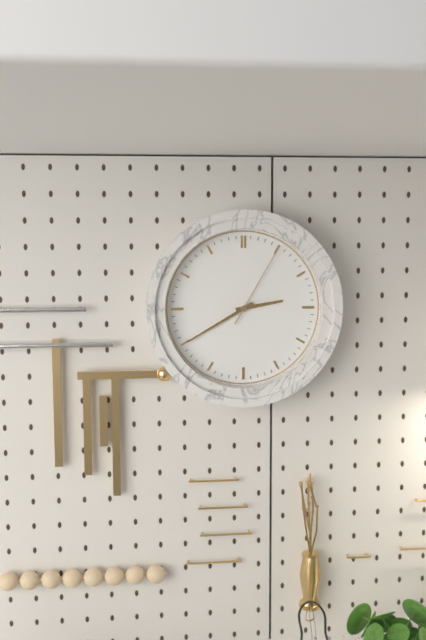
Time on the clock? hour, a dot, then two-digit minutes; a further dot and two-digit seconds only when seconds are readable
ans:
2.40.05
